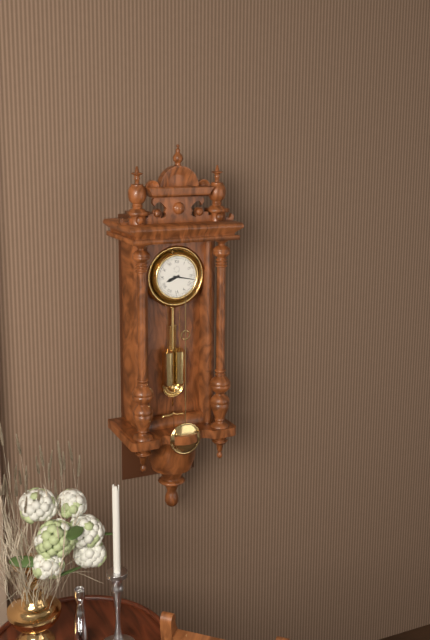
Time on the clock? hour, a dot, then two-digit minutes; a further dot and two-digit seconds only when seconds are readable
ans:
8.17
